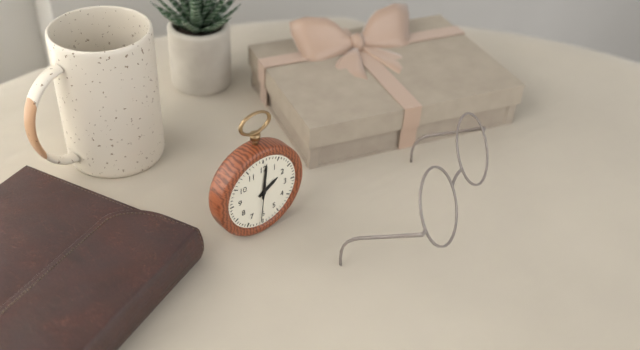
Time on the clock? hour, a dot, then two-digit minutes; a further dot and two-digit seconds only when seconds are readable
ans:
2.01
